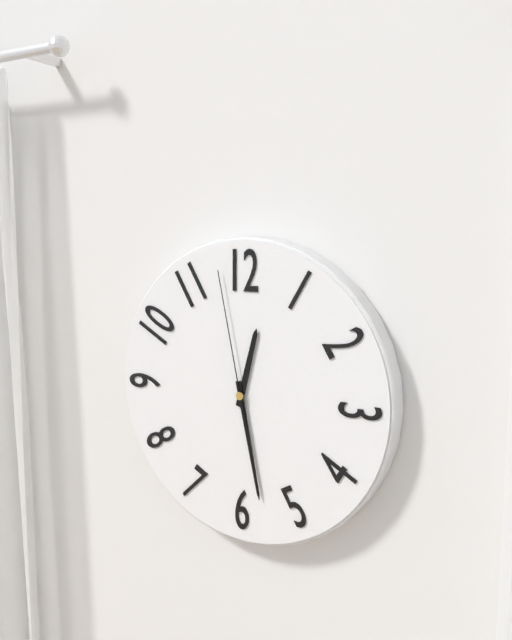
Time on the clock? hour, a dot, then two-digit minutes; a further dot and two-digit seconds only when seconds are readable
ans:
12.28.58
